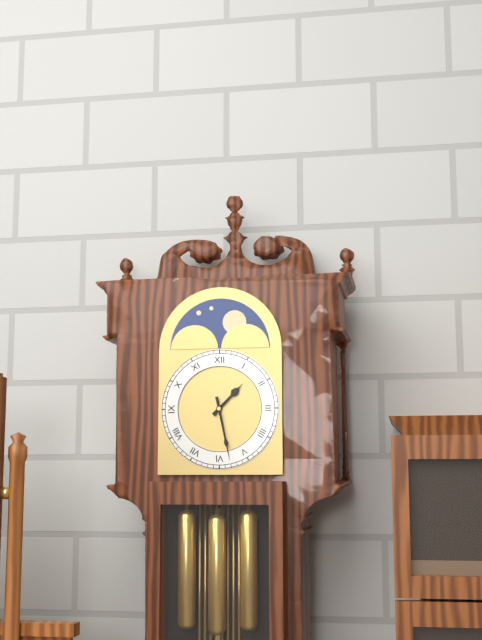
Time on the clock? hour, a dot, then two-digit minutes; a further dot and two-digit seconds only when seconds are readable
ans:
1.28
